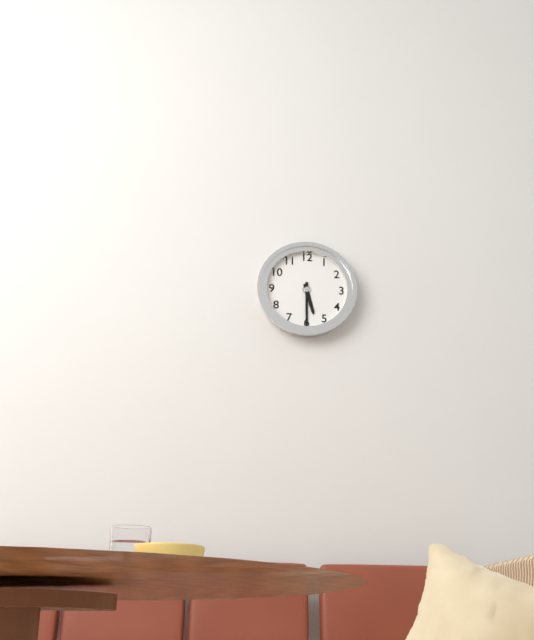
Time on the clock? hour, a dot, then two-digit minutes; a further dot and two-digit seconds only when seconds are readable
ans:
5.30
